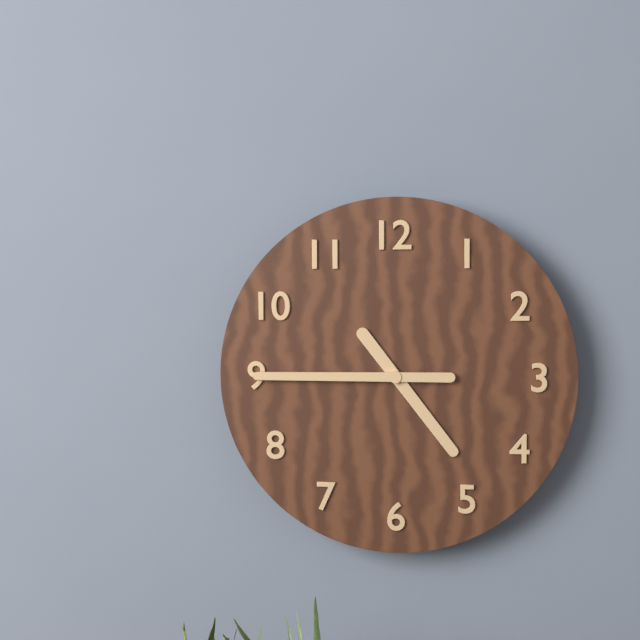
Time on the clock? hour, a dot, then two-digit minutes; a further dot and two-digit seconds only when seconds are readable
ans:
4.45
